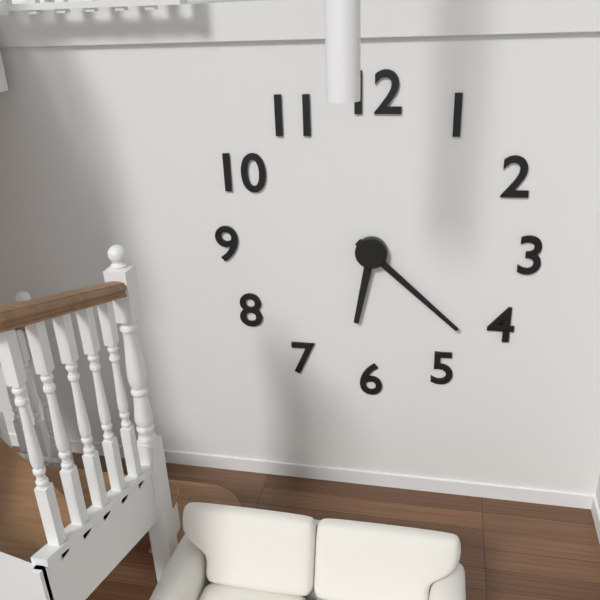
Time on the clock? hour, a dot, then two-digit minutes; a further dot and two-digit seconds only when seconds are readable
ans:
6.22
